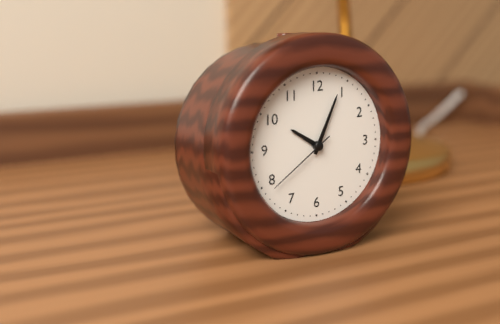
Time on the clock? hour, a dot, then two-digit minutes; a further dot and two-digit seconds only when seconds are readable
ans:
10.04.39
